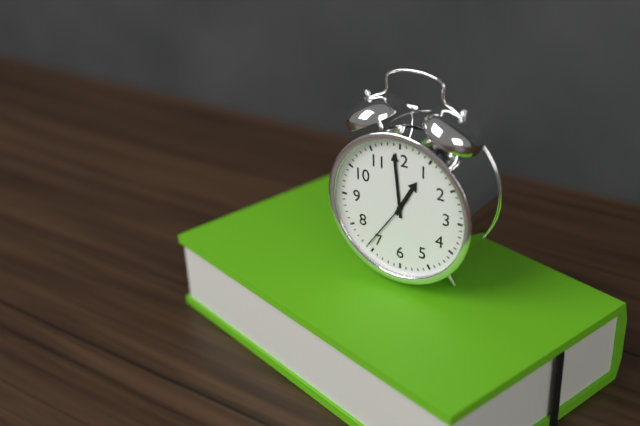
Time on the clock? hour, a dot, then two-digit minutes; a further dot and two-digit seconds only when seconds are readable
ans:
12.59.36
